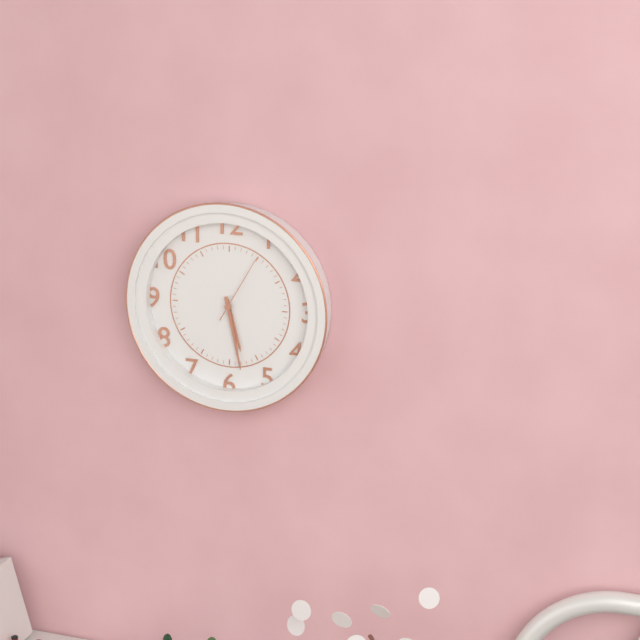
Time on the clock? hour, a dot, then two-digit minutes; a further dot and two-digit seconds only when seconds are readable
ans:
5.28.05
